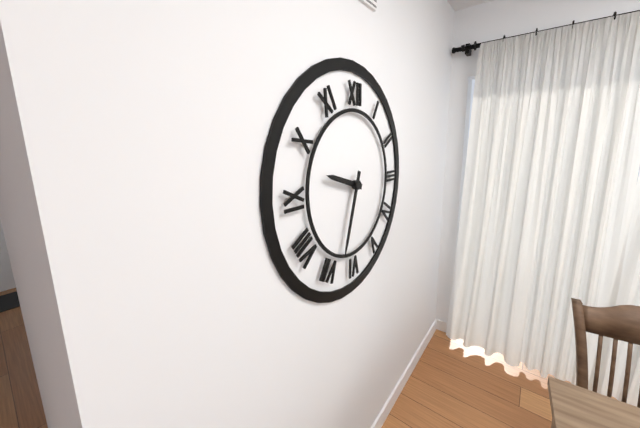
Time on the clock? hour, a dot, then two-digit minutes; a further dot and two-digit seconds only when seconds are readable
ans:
9.33
